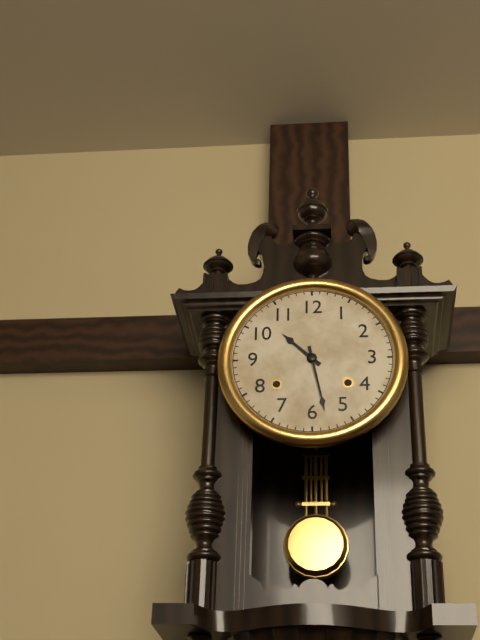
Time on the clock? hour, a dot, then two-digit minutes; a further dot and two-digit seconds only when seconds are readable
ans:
10.28
